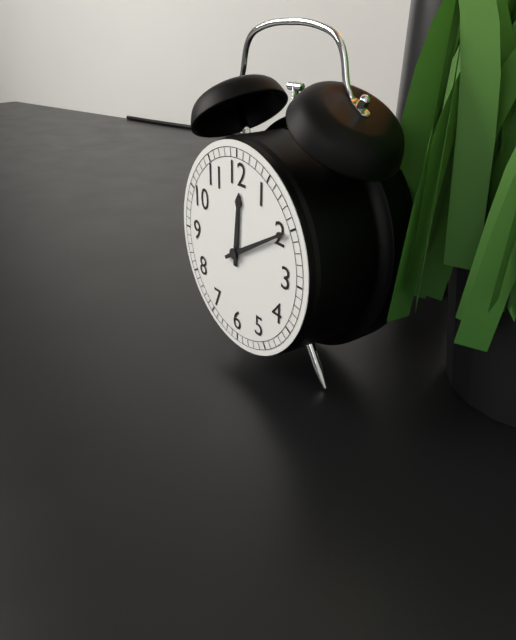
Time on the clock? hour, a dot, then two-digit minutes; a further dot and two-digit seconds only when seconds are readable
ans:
12.10
